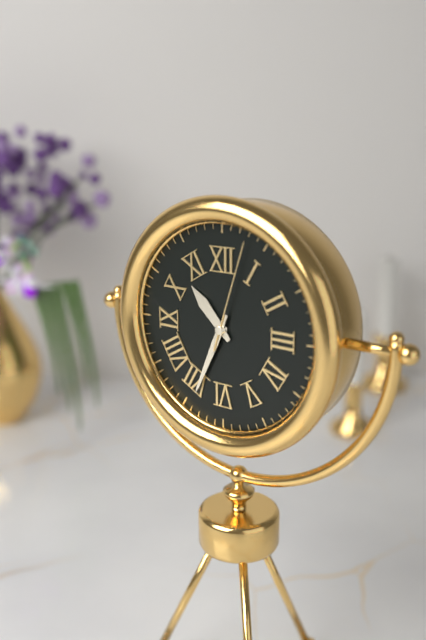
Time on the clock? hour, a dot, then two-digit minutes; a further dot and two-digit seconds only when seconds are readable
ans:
10.34.03
